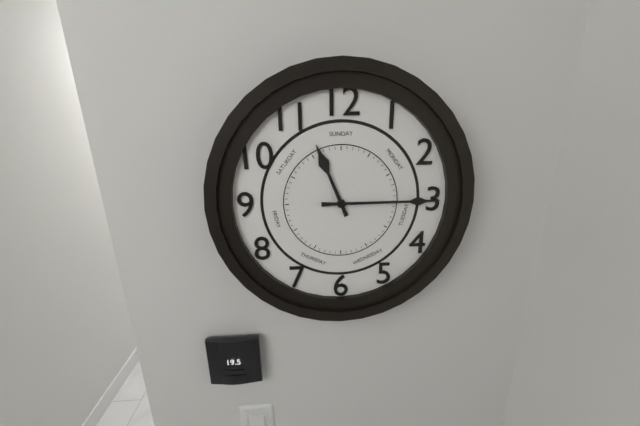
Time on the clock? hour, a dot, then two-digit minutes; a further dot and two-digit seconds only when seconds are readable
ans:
11.15
